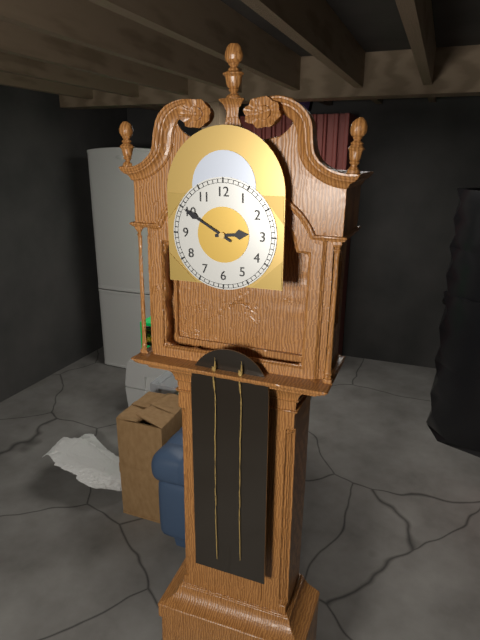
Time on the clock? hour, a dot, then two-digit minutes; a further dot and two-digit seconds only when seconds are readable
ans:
2.50
